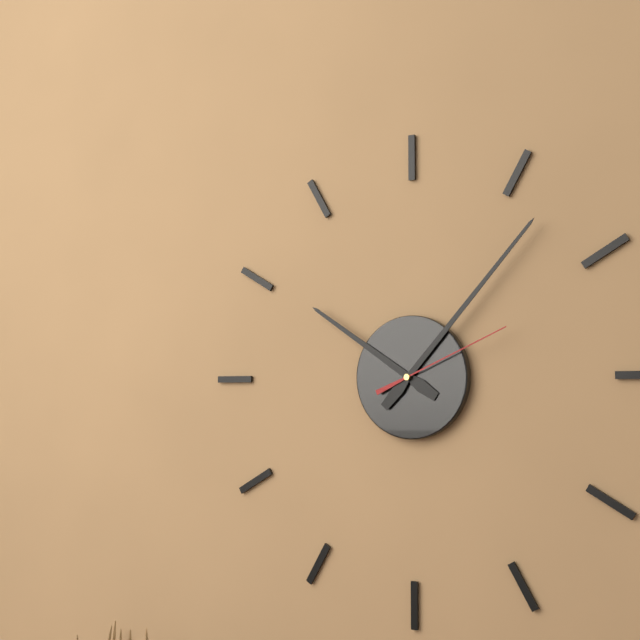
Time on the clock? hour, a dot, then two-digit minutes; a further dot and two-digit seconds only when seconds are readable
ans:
10.07.11
